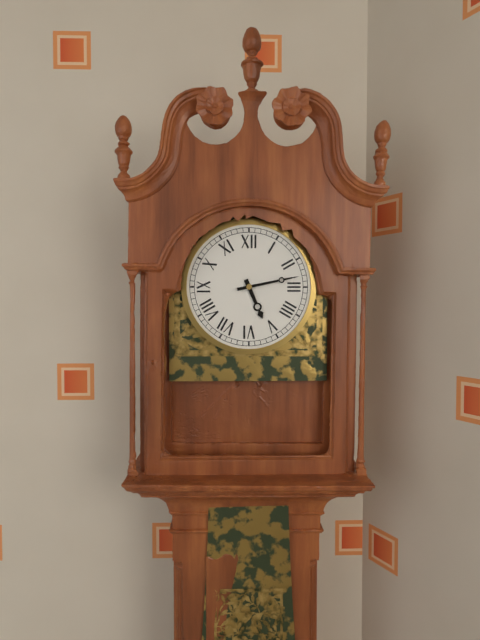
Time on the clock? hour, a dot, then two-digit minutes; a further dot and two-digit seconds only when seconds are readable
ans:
5.13
